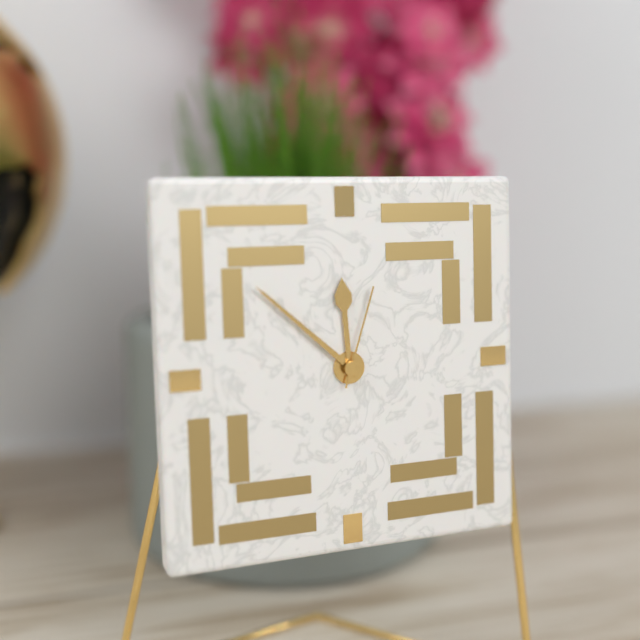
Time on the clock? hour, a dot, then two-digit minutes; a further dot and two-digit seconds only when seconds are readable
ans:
11.52.03
